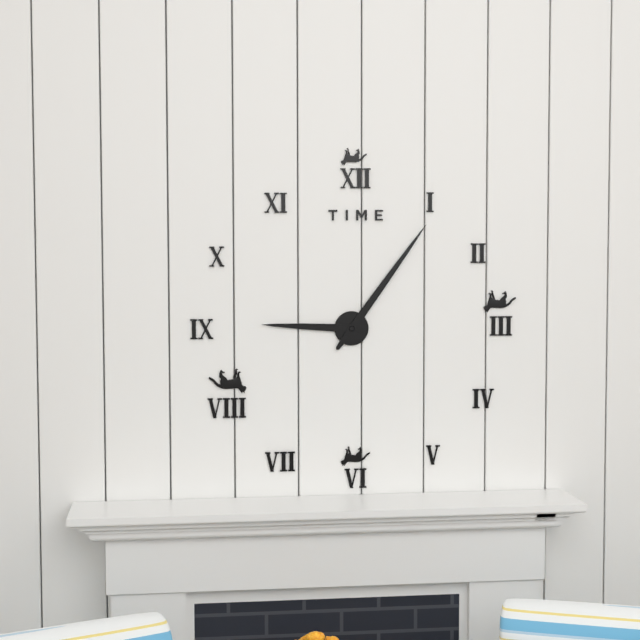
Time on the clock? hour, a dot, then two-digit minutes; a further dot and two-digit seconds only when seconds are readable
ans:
9.06
